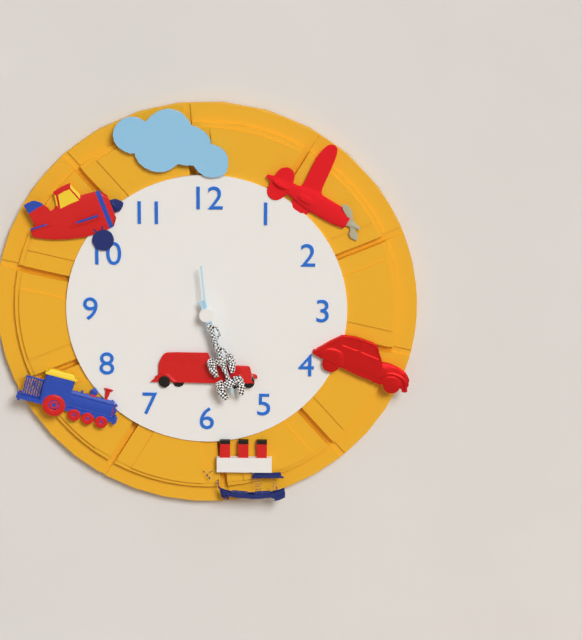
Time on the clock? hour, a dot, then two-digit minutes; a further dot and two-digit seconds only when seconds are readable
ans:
5.27.59
